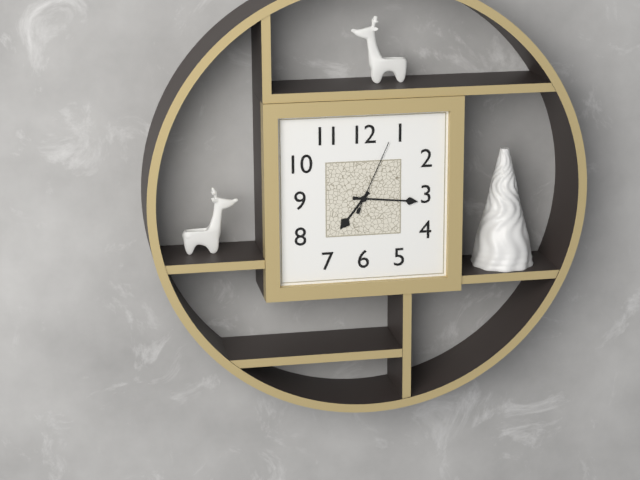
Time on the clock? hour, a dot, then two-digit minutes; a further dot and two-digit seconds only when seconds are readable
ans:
7.16.04
